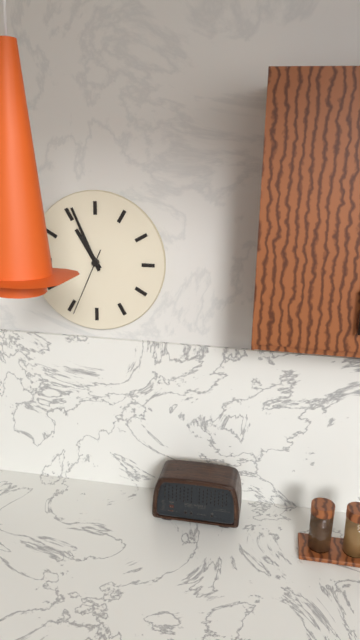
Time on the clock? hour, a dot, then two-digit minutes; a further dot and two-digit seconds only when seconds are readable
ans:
10.56.34
